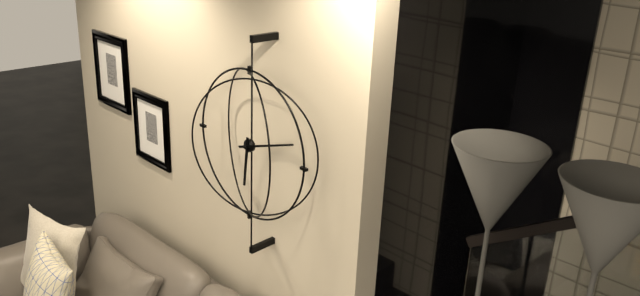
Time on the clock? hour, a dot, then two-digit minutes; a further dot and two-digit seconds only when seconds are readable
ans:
6.12
